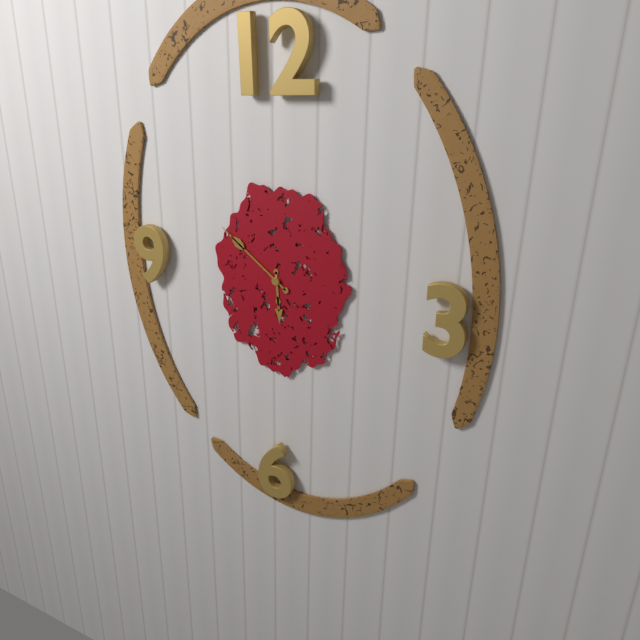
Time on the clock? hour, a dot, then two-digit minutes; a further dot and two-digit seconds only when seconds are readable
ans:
5.51
